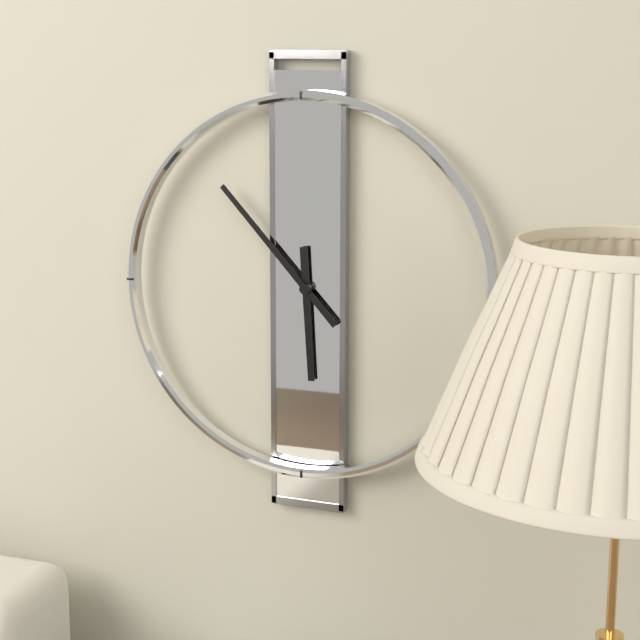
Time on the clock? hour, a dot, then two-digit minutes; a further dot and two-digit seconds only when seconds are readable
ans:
5.53
